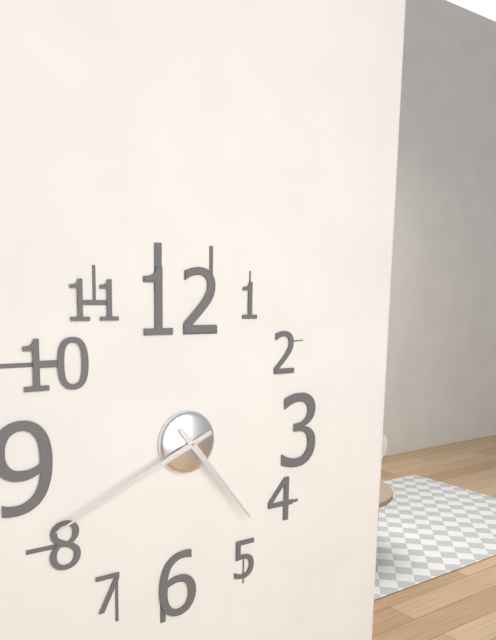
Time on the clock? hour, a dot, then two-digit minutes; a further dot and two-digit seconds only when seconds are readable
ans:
4.41
